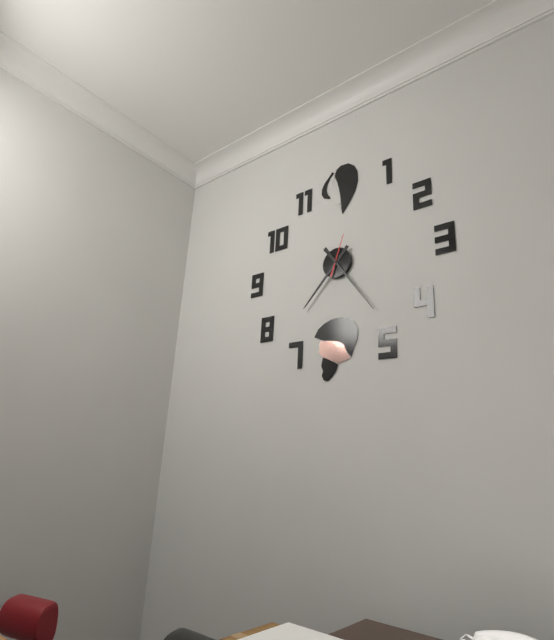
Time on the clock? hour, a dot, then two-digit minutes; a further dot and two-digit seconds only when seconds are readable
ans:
7.24
